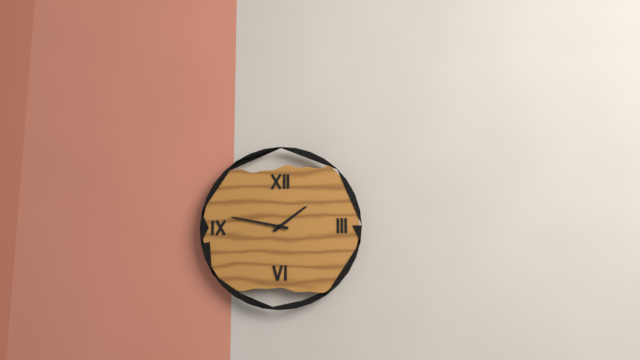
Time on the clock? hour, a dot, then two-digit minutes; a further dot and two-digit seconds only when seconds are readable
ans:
1.47
